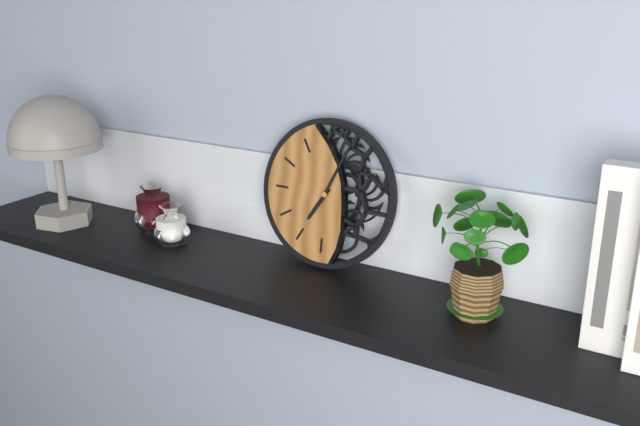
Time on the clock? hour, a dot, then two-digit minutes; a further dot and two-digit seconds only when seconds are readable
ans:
7.04
